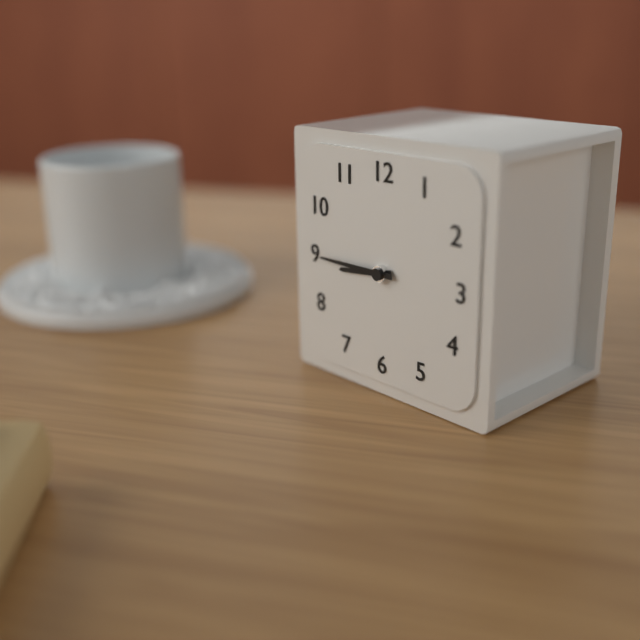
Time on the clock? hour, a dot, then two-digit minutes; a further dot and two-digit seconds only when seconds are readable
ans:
8.45
